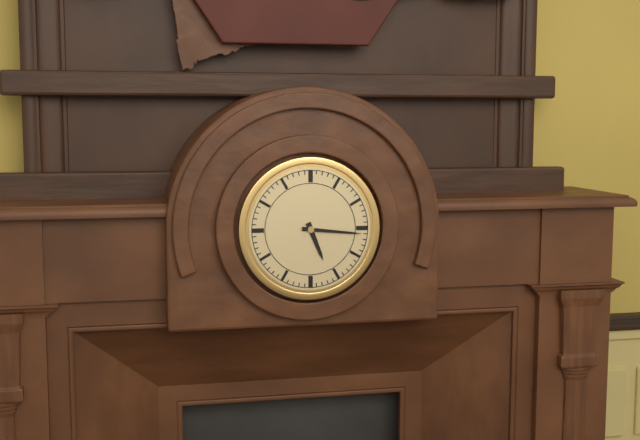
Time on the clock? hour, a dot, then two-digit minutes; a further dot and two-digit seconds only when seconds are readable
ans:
5.16
